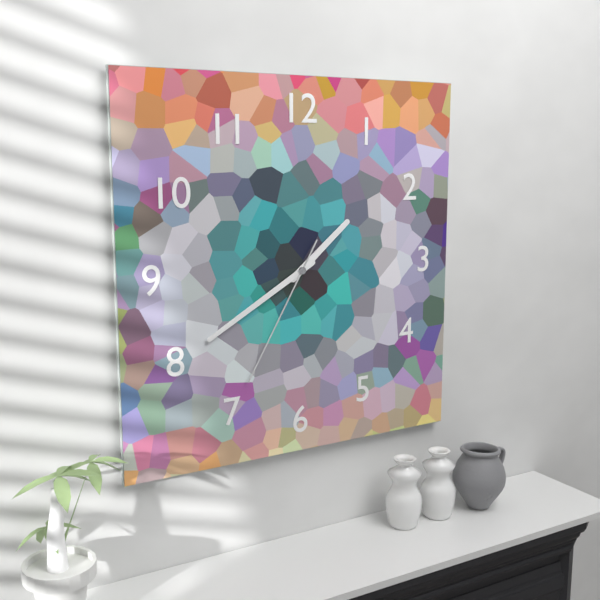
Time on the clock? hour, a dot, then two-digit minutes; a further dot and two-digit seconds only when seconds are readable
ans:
1.40.35
